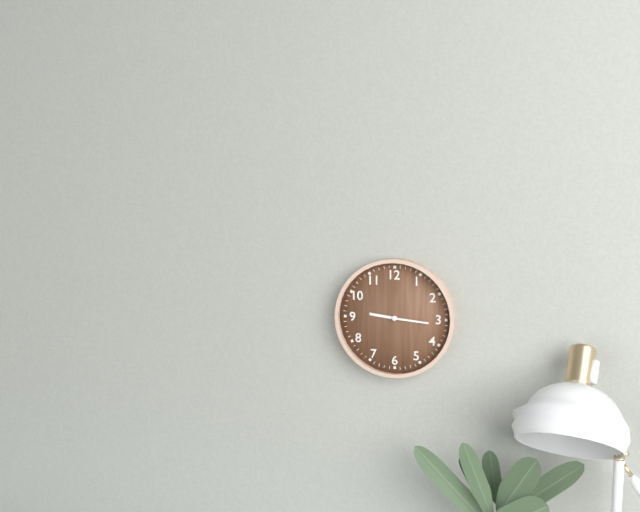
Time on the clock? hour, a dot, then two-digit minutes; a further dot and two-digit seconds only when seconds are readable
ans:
9.16
